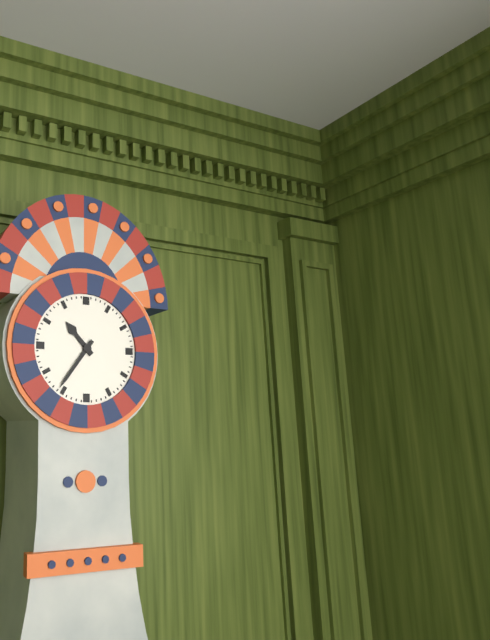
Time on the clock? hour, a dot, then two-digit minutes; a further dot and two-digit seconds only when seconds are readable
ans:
10.36
